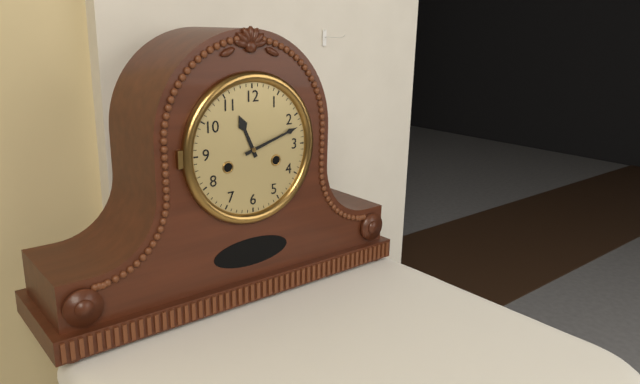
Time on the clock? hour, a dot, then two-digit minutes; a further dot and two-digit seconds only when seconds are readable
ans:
11.12
